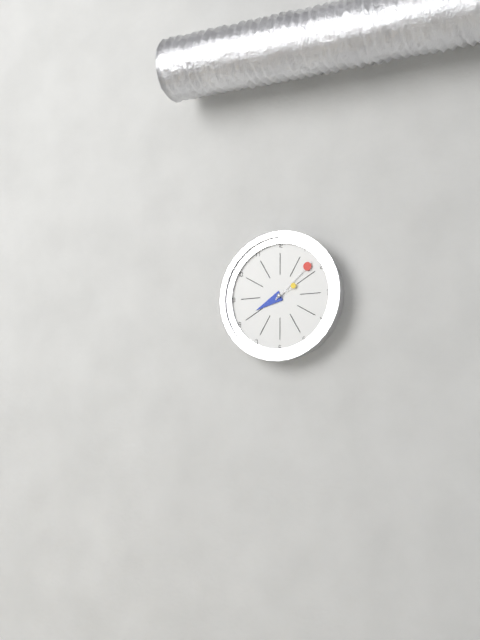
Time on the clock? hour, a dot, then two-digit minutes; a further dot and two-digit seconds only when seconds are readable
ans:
8.08
